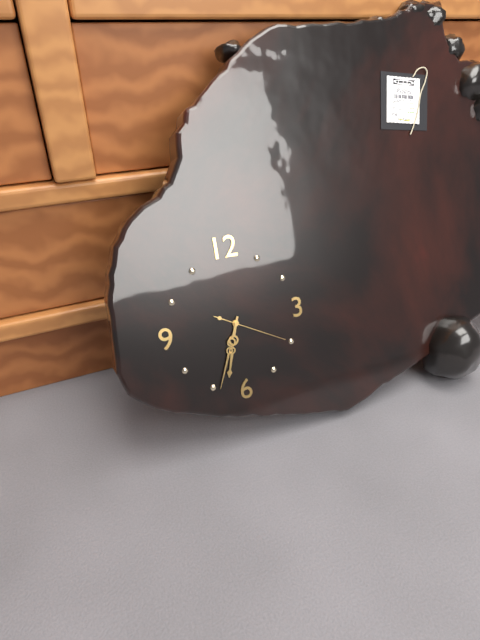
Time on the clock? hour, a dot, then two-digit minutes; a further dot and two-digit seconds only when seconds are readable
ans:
6.34.20
